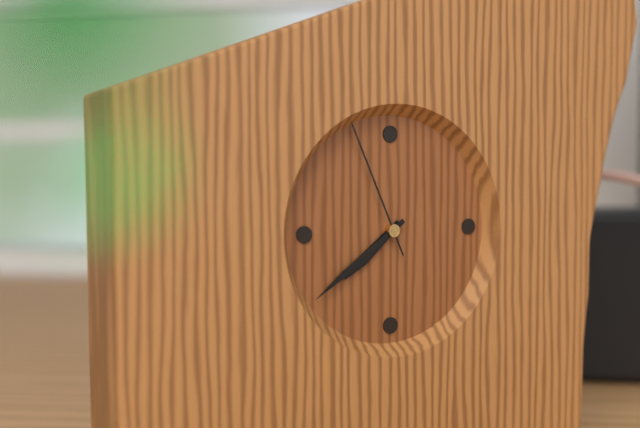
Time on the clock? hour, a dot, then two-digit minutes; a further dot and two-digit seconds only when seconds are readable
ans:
7.39.56
